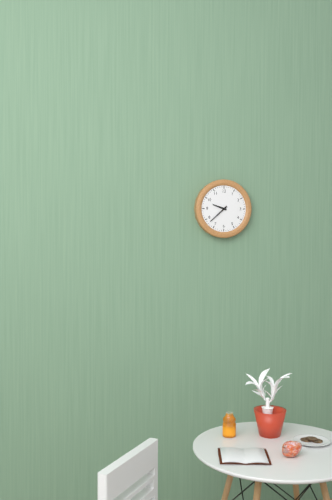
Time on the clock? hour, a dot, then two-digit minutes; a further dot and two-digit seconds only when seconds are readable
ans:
9.38
